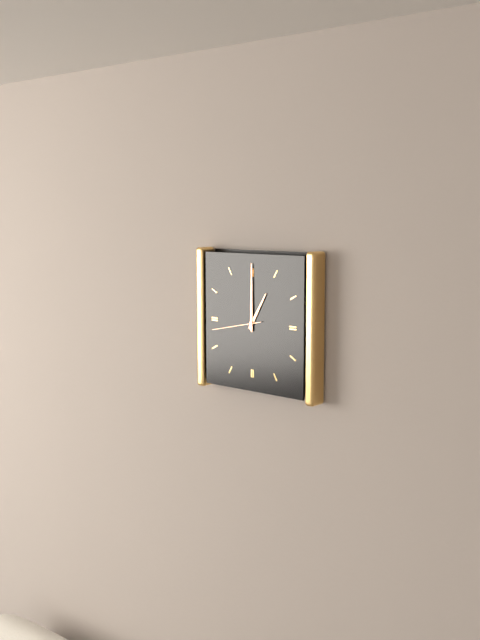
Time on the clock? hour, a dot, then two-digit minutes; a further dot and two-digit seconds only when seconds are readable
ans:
1.00.43
